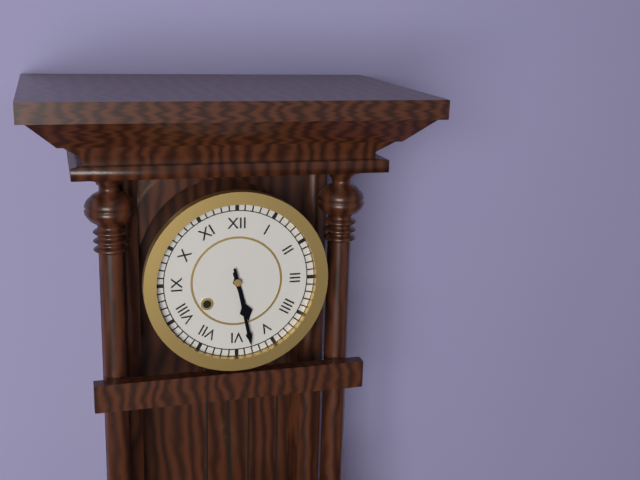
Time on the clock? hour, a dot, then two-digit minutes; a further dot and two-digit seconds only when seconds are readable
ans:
5.28
